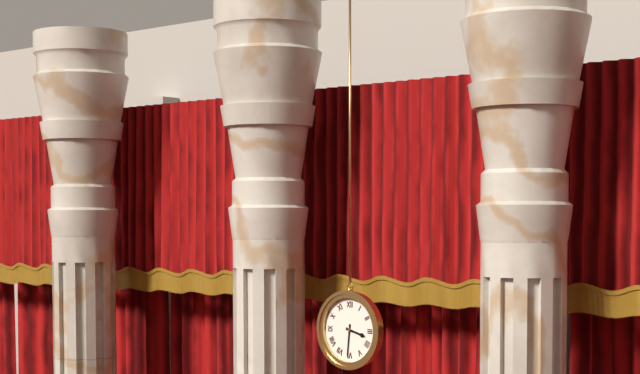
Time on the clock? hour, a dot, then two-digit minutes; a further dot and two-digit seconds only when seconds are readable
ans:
3.31
